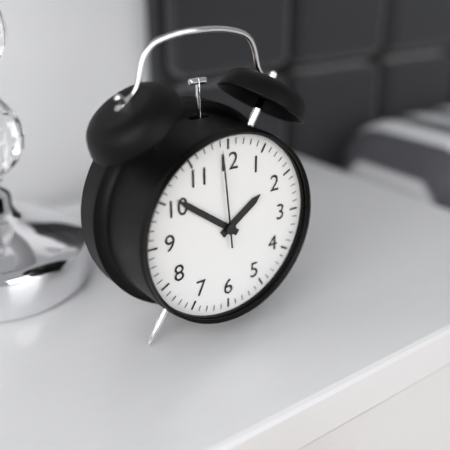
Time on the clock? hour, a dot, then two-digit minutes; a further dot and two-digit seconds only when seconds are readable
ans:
1.51.59
